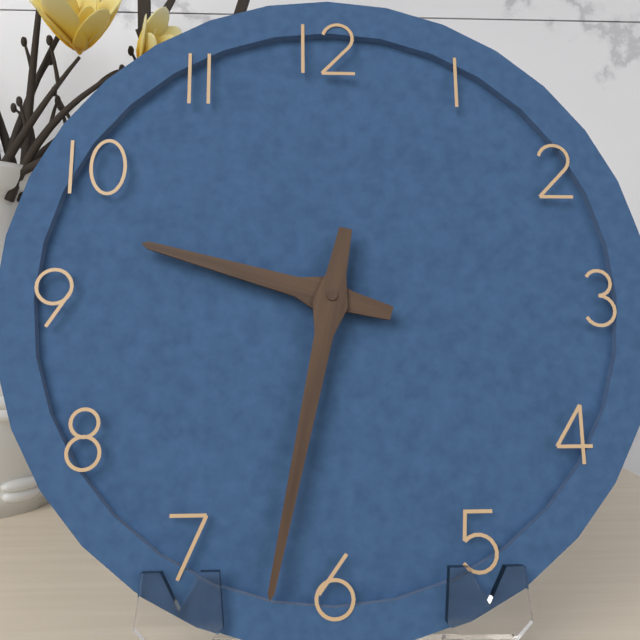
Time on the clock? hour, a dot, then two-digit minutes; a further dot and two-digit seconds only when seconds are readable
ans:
9.32
